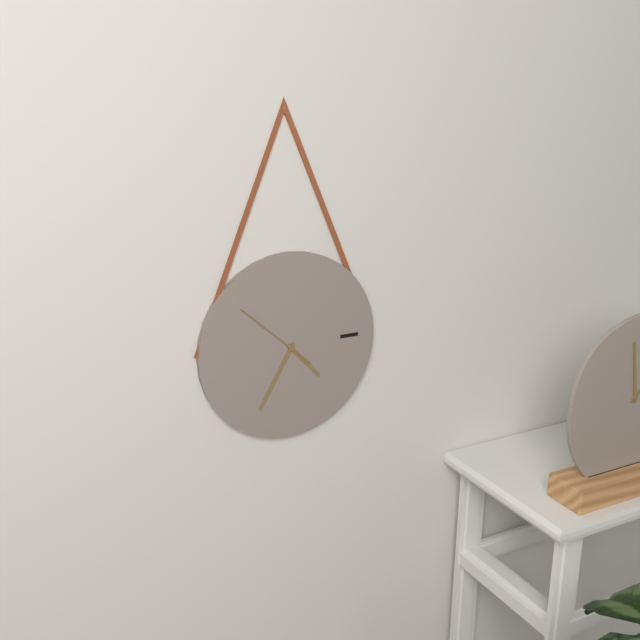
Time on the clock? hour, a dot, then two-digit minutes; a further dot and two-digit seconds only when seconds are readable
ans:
4.35.52
